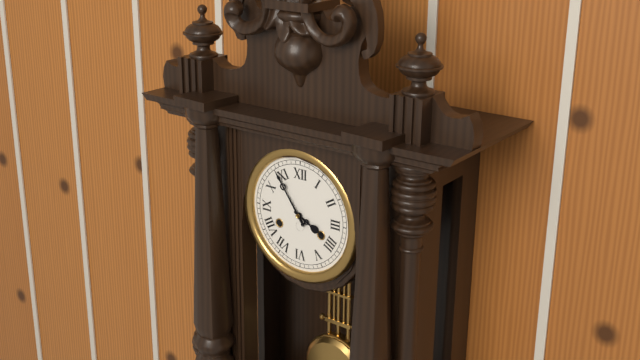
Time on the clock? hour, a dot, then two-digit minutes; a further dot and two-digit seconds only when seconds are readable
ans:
3.54
